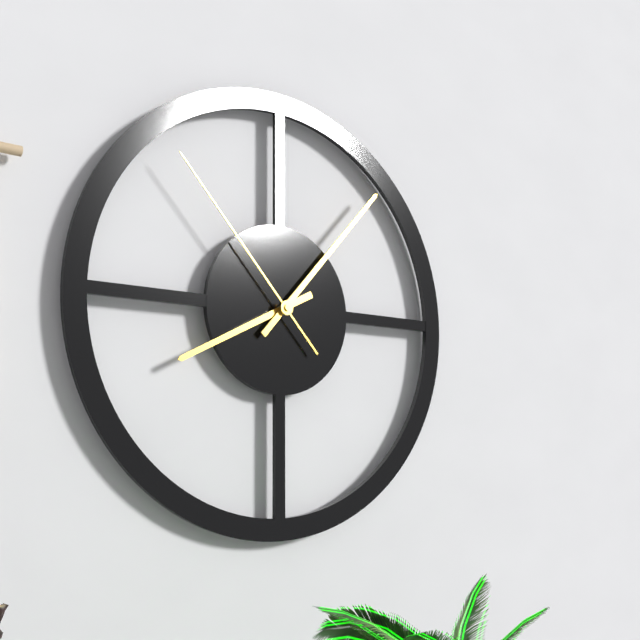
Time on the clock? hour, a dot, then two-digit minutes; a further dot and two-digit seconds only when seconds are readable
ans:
8.07.53
